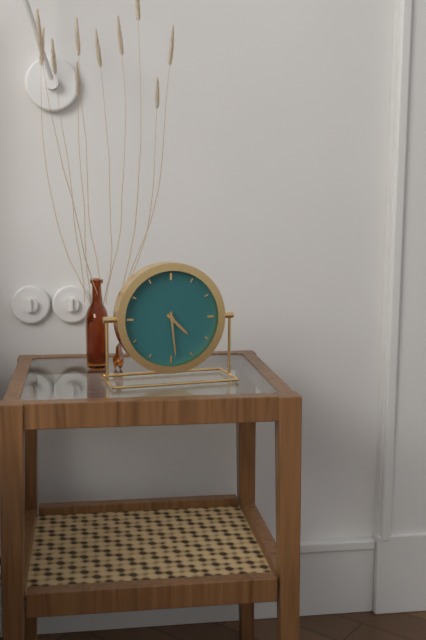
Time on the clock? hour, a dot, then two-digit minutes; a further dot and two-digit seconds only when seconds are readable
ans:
4.29
